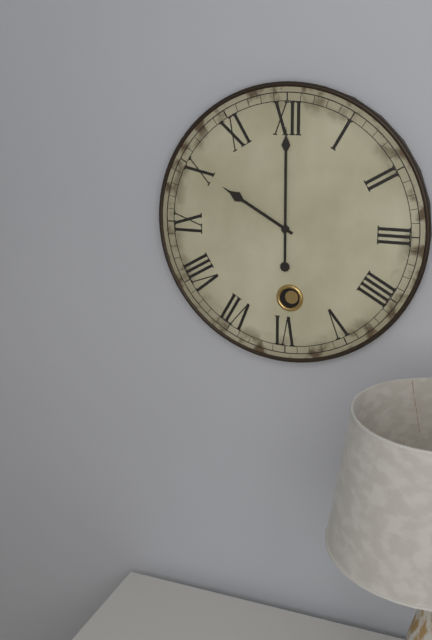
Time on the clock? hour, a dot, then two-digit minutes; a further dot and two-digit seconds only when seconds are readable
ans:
10.00
